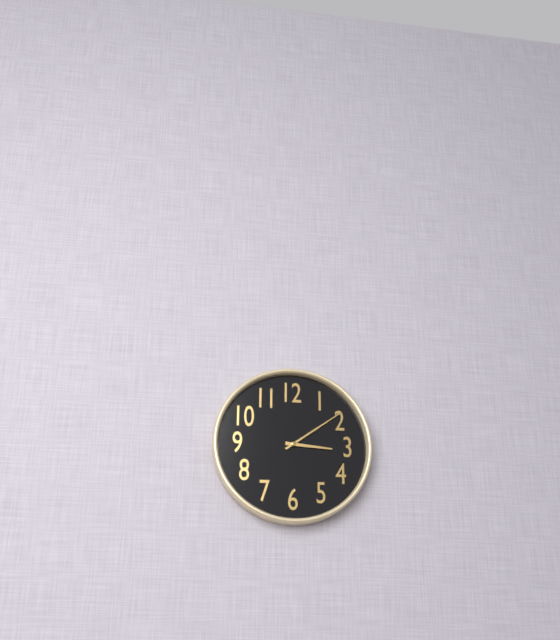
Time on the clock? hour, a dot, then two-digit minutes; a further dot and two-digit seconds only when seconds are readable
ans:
3.09
